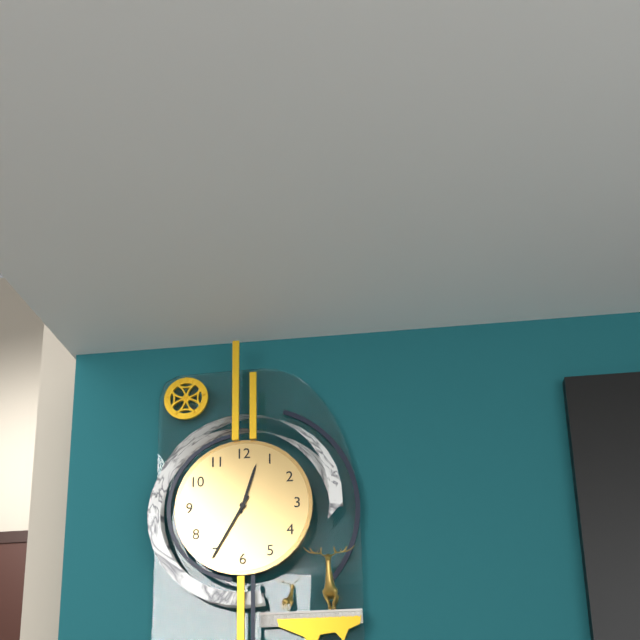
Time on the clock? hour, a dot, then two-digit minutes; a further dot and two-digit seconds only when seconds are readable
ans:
12.35
